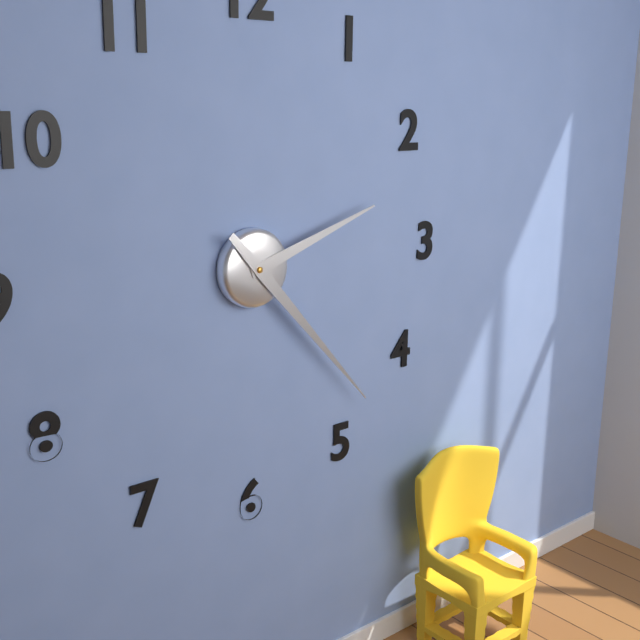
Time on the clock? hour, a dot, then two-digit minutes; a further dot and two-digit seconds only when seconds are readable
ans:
2.23
